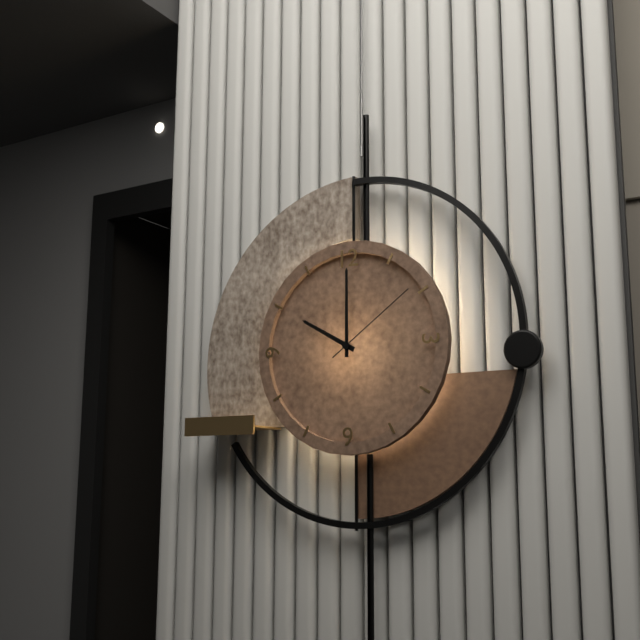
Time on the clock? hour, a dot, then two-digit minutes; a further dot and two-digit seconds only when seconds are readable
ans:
10.00.09
